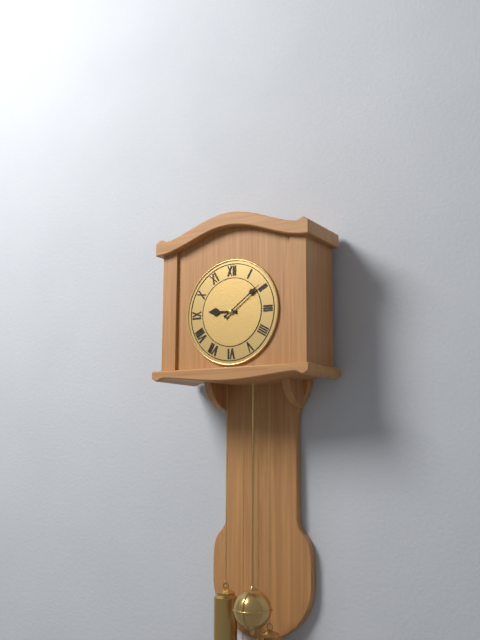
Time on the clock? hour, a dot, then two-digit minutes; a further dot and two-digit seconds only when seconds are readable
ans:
9.09
